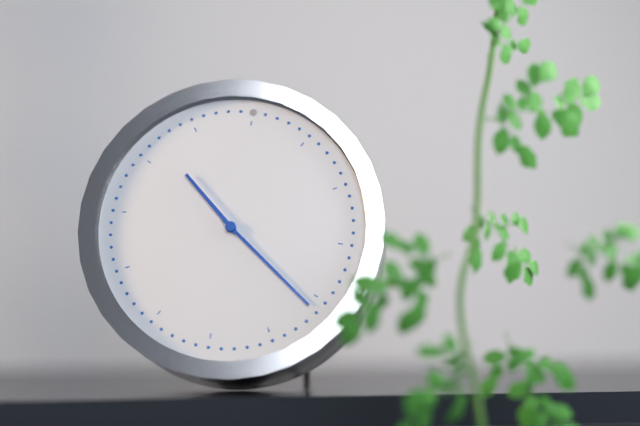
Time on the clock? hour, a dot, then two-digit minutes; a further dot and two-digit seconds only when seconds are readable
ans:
10.21
